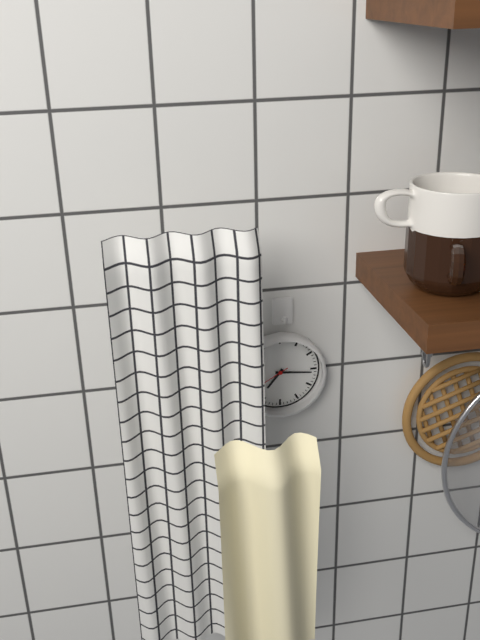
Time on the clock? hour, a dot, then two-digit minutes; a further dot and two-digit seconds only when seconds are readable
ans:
7.16
